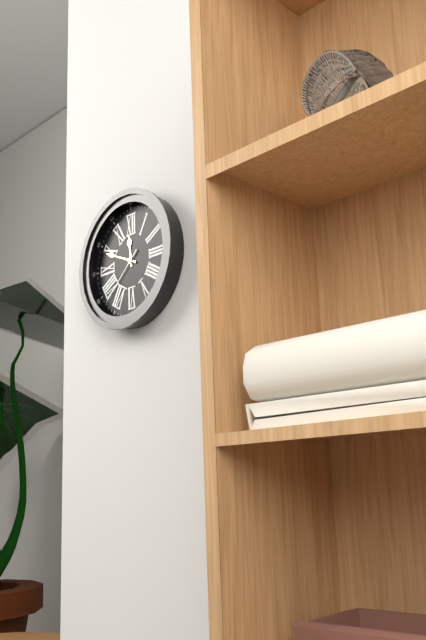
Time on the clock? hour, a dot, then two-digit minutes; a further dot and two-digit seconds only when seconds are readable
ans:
11.49.38
